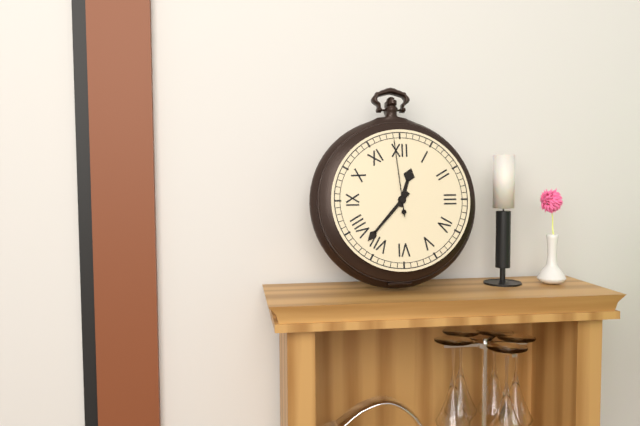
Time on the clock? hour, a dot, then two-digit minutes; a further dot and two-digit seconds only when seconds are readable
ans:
12.37.59
